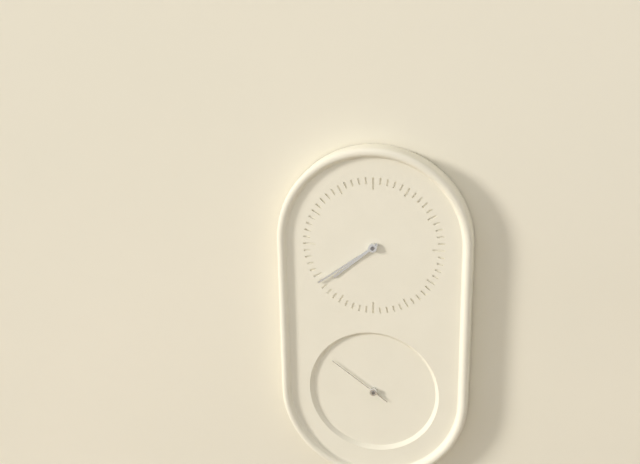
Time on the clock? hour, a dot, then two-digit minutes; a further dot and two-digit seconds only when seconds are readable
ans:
7.39.51
